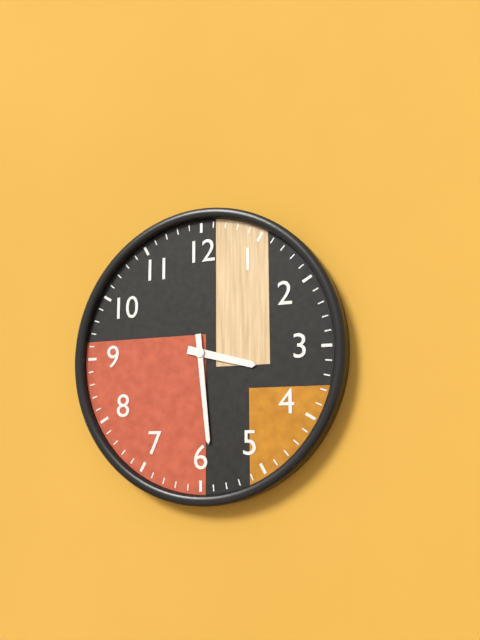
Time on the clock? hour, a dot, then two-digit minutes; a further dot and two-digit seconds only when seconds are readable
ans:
3.29
